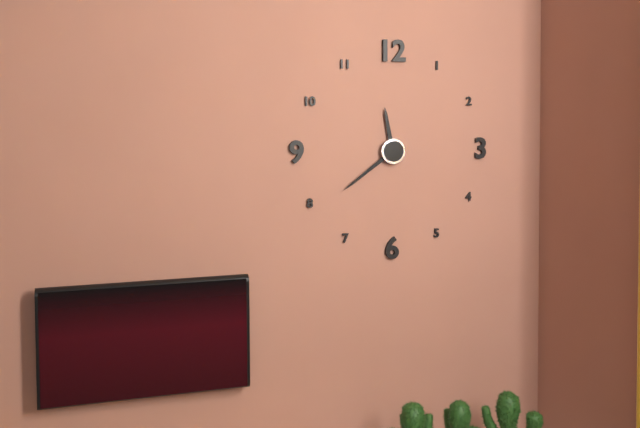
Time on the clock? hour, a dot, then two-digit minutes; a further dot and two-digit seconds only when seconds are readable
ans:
11.39
